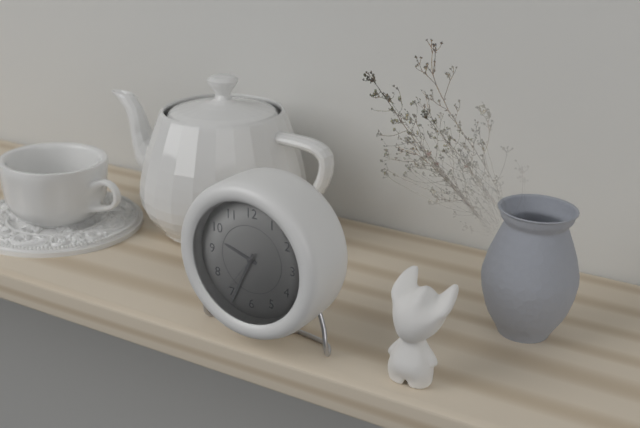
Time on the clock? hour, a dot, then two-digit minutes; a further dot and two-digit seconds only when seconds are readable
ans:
9.34.36
